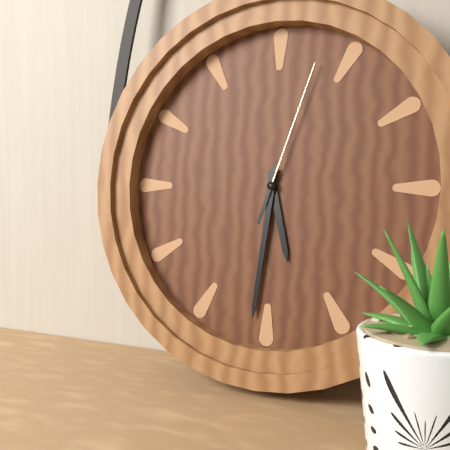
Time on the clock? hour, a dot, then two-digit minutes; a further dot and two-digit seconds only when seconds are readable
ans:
5.31.03
